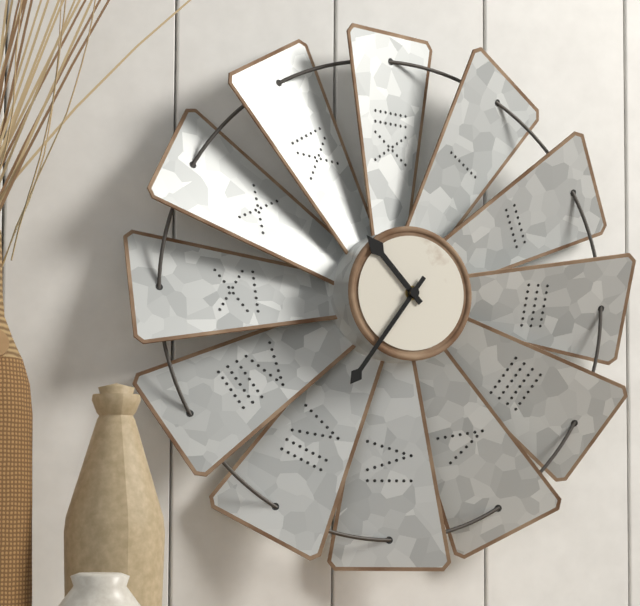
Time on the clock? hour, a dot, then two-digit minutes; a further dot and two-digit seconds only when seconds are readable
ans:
10.36
